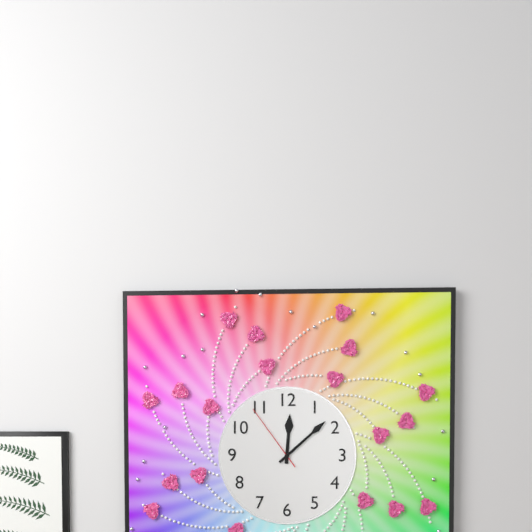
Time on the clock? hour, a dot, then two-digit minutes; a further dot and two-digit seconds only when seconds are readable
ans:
12.08.54
